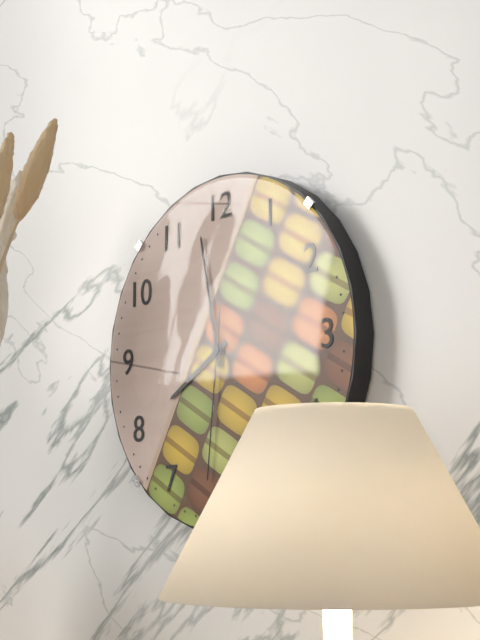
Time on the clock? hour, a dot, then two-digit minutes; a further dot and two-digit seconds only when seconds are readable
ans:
7.58.31
